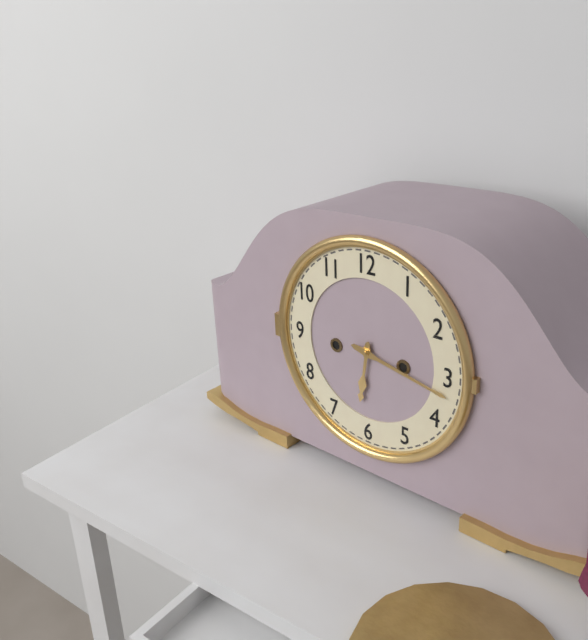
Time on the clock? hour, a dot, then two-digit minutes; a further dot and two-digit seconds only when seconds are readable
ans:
6.17
